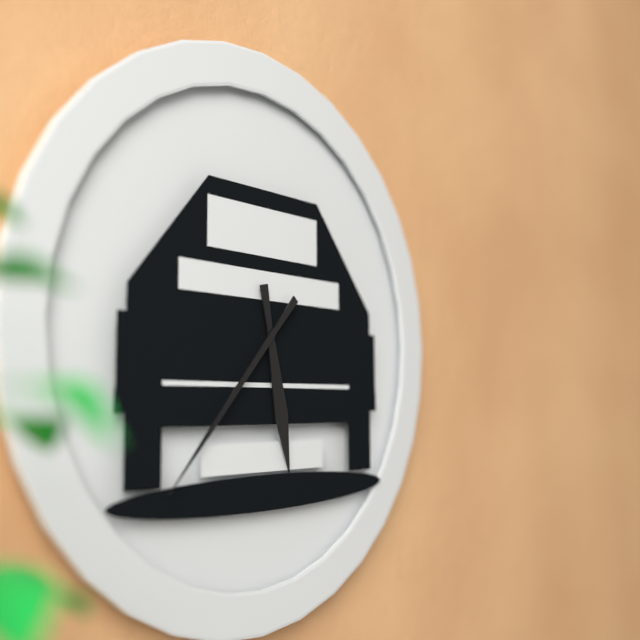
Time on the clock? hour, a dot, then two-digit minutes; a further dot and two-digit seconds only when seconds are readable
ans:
5.37
